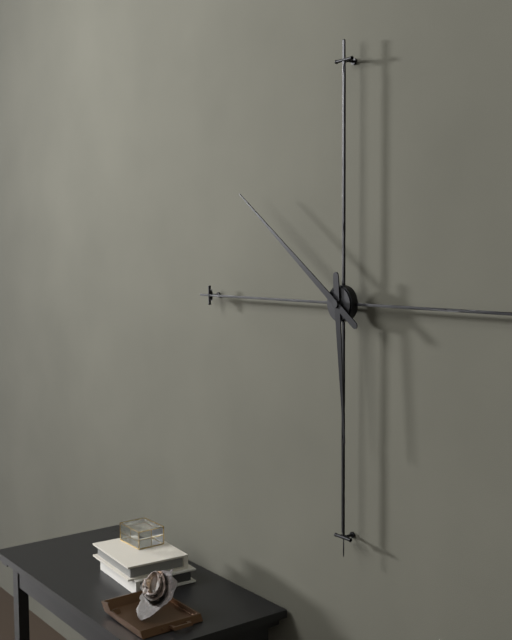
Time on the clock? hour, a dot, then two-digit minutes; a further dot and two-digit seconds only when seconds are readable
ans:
5.51
